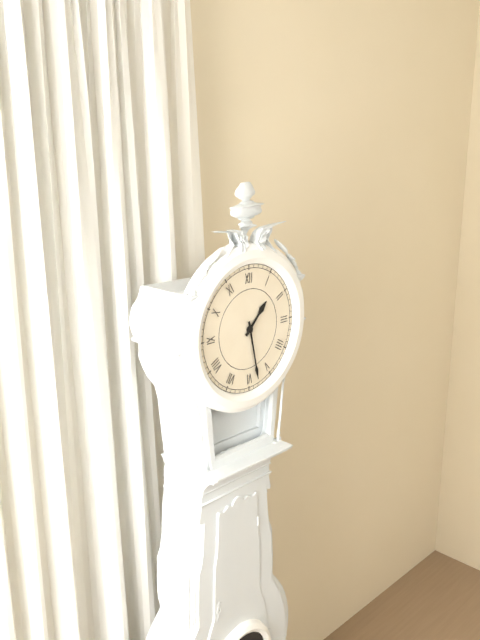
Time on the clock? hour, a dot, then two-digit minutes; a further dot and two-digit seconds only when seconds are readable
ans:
1.28
